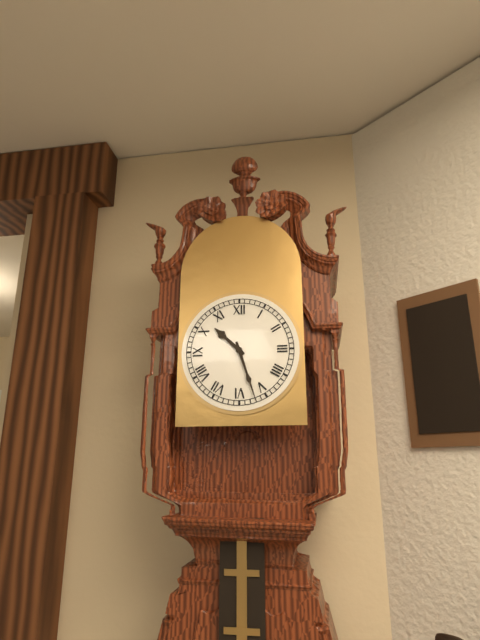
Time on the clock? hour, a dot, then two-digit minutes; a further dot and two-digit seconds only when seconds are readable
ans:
10.27
